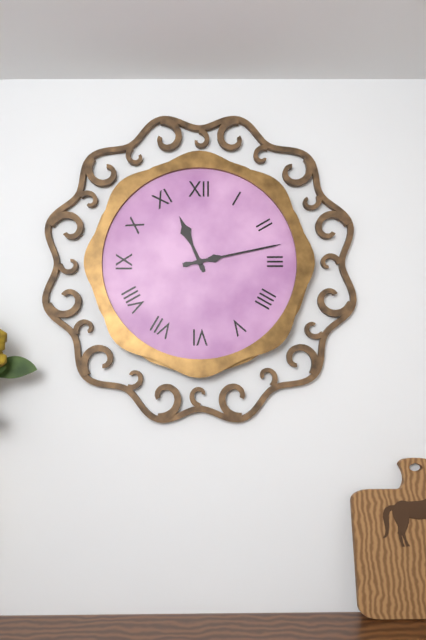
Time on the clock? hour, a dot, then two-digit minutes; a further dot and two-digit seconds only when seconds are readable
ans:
11.13
